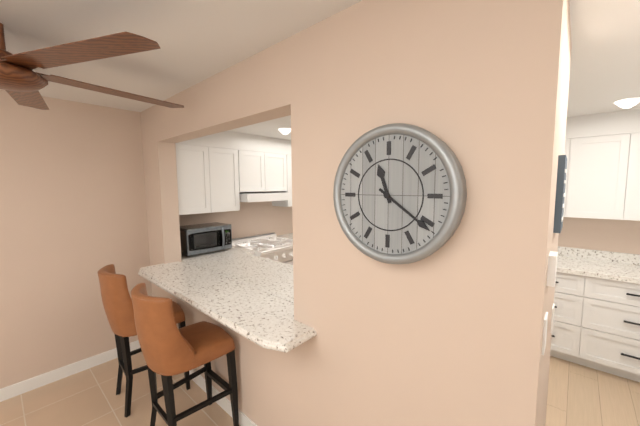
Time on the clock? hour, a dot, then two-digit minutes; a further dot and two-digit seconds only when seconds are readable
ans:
11.21
